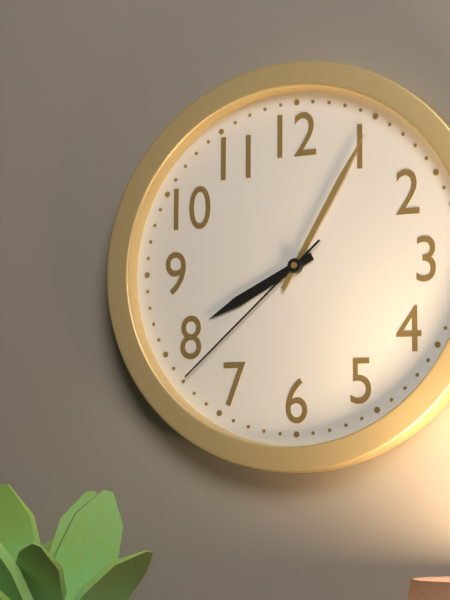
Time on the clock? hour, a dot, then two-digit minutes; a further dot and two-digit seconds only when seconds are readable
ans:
8.05.38
